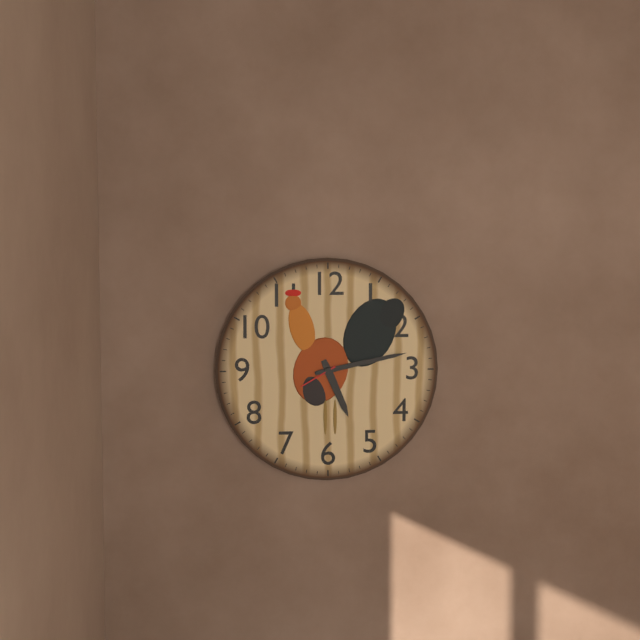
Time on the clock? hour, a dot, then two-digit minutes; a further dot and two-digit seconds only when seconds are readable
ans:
5.13
